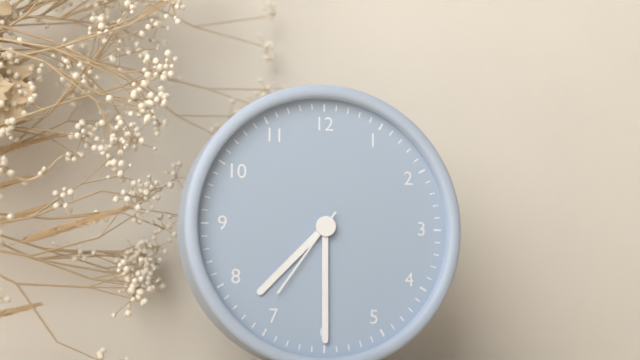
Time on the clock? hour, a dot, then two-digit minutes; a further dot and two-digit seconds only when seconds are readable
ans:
7.30.36
